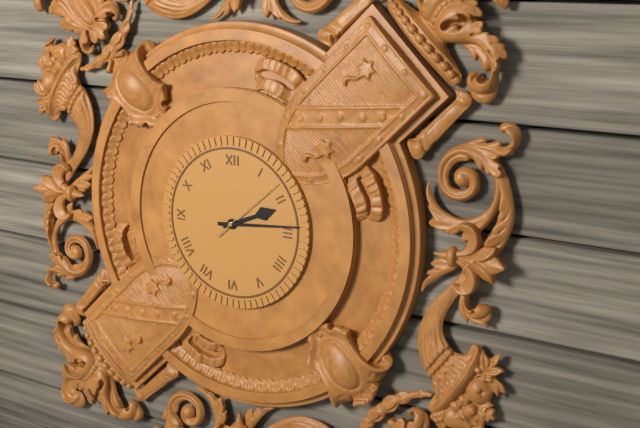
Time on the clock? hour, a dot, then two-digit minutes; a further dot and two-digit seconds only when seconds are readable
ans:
2.14.08
